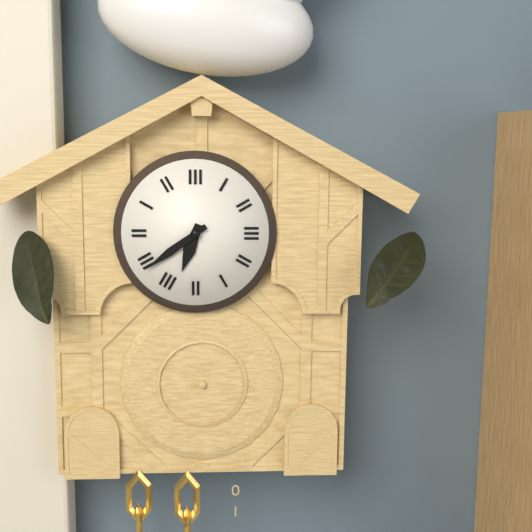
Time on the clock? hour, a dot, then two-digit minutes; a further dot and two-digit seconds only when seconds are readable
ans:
6.39
